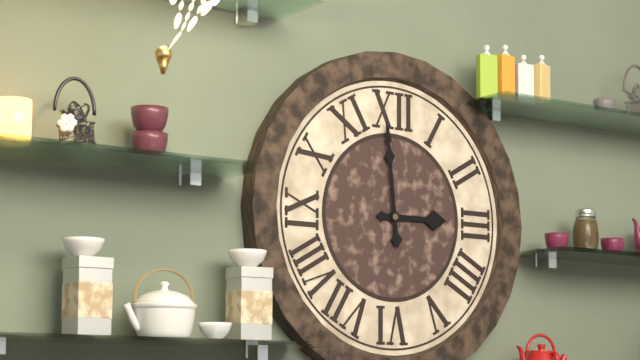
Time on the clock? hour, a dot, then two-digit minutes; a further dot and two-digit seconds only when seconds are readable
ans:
2.59
